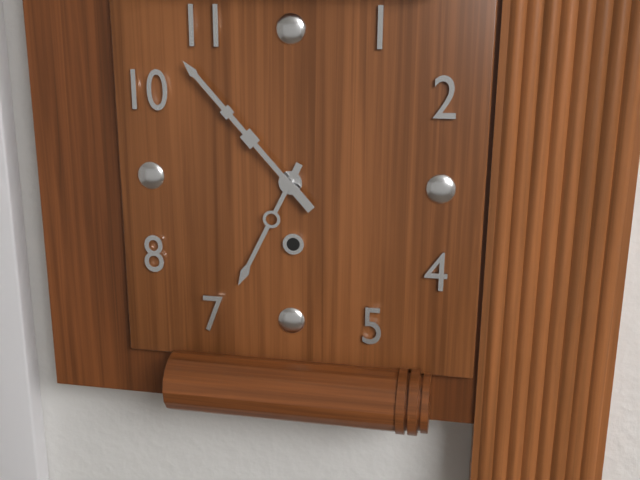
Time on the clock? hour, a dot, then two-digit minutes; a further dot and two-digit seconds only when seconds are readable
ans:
6.53
